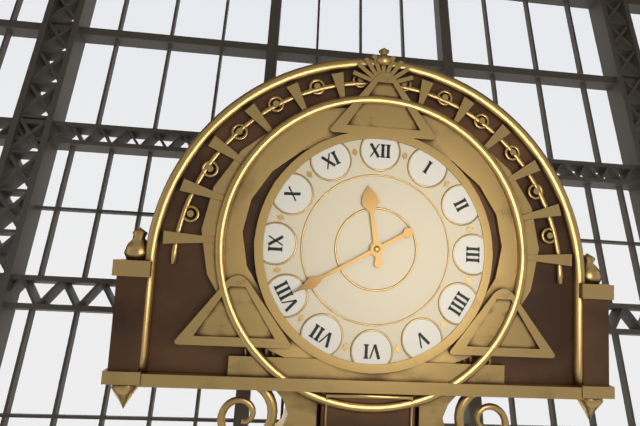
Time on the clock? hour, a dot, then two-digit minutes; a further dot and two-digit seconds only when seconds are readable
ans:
11.40
